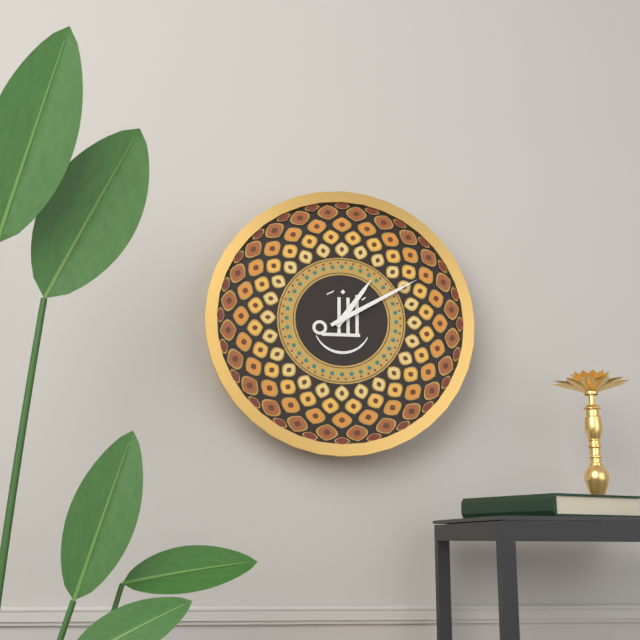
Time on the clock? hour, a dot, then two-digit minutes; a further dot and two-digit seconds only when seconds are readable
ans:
1.10
